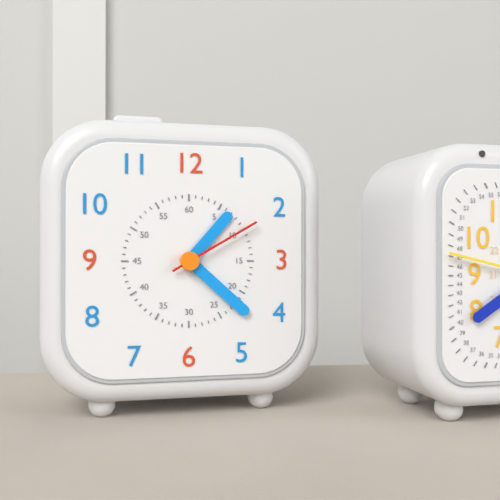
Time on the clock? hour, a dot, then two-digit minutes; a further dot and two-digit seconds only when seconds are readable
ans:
1.22.10
